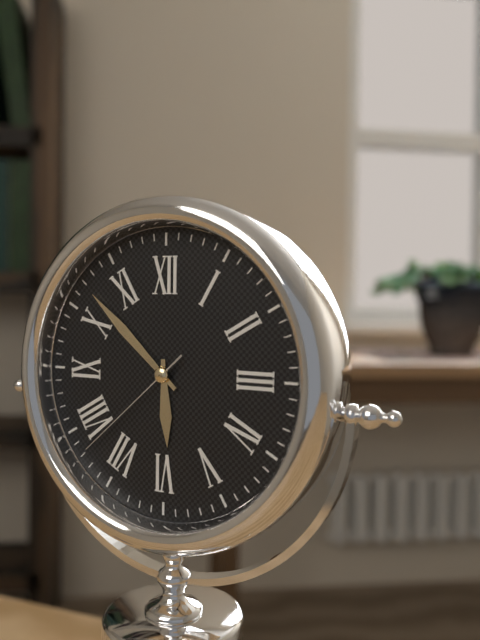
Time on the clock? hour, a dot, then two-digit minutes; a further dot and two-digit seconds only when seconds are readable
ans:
5.52.38
